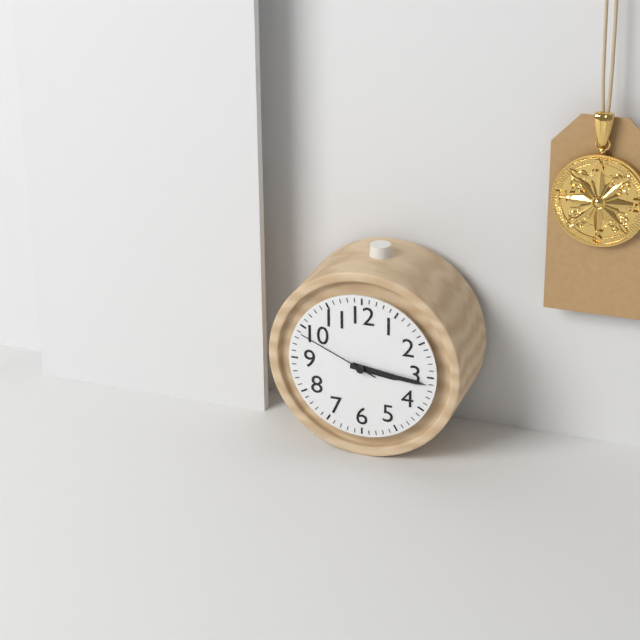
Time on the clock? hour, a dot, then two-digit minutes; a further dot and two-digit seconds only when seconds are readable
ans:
3.16.49
